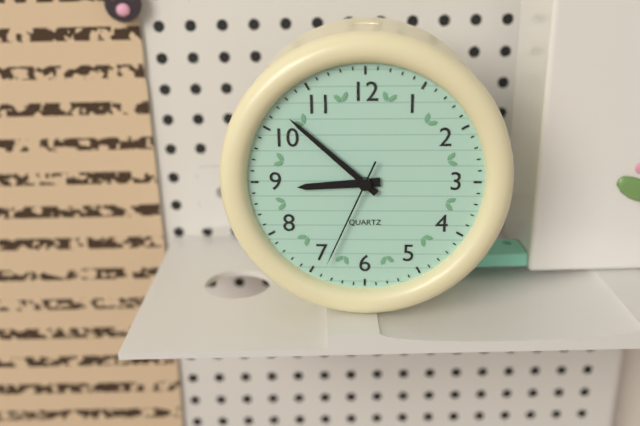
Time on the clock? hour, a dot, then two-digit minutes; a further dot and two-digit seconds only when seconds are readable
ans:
8.52.34
